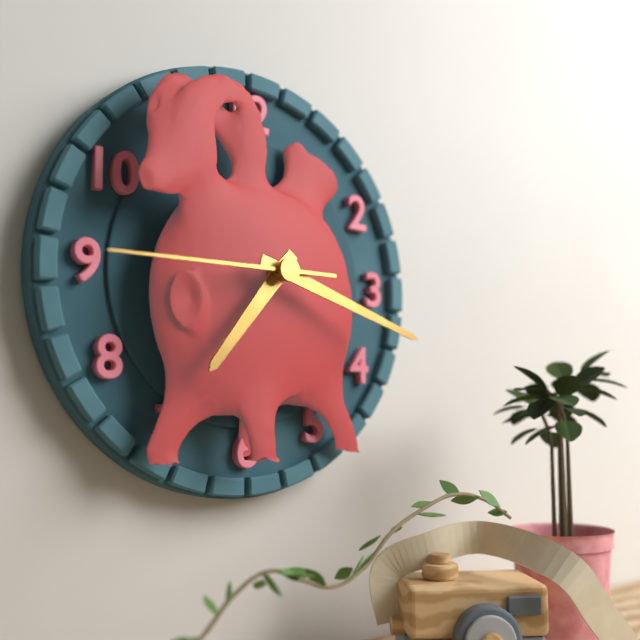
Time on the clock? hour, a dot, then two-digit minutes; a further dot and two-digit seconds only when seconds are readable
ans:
7.18.45
